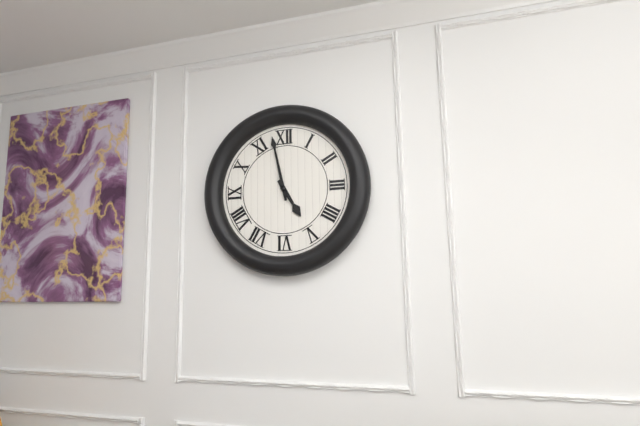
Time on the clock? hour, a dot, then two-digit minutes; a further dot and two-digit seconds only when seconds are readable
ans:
4.58
